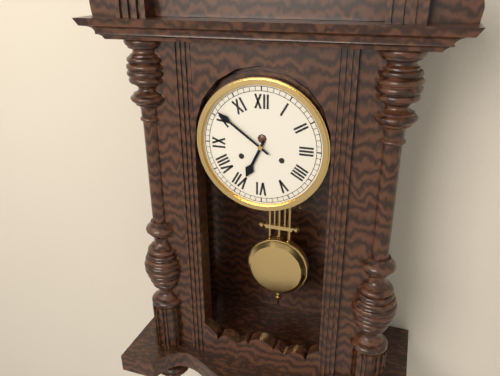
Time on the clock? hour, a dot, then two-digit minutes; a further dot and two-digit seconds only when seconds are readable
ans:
6.51
